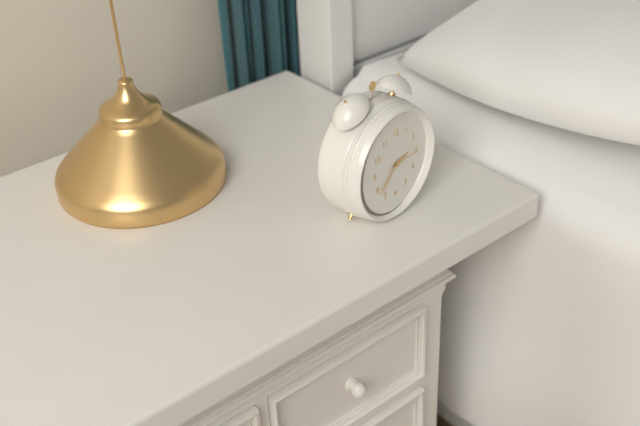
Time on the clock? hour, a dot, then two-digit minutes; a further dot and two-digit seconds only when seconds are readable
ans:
2.38
